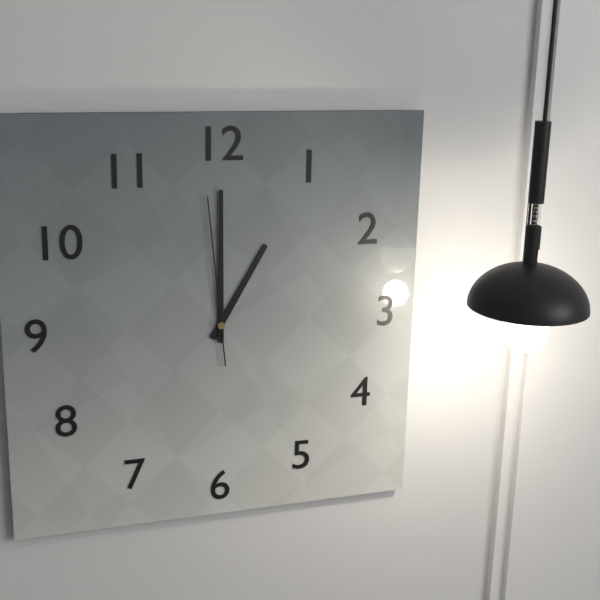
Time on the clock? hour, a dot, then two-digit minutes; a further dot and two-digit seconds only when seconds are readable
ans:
1.00.59
